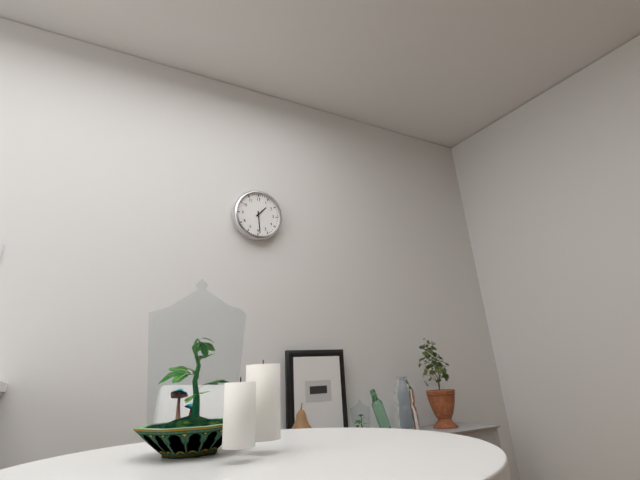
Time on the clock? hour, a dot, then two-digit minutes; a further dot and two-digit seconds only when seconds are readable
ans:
1.29
